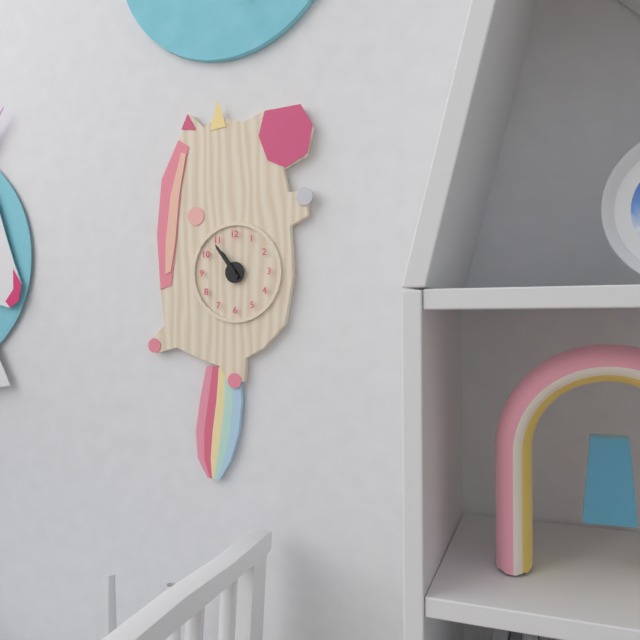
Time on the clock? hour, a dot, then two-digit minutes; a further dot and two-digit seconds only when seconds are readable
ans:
10.54
